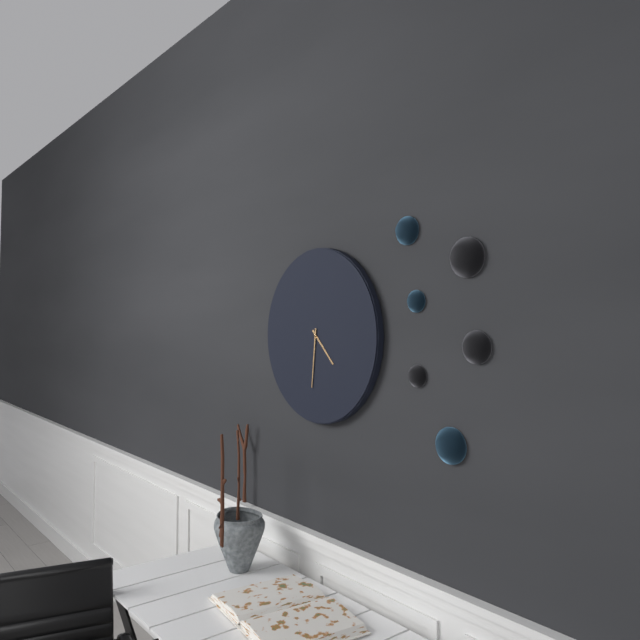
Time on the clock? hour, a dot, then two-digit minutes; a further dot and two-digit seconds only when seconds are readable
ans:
4.31
